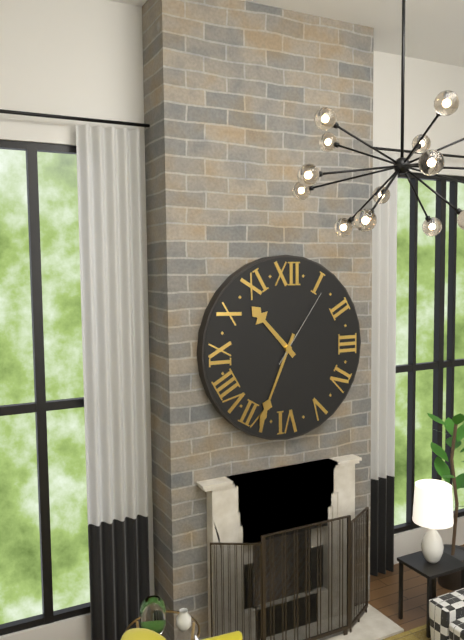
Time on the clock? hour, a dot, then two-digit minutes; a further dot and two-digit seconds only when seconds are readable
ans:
10.34.06
